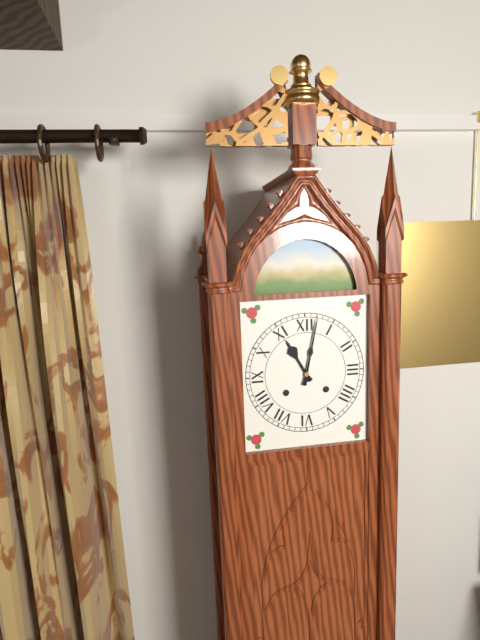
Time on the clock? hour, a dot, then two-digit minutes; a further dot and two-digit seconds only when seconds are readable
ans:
11.02
